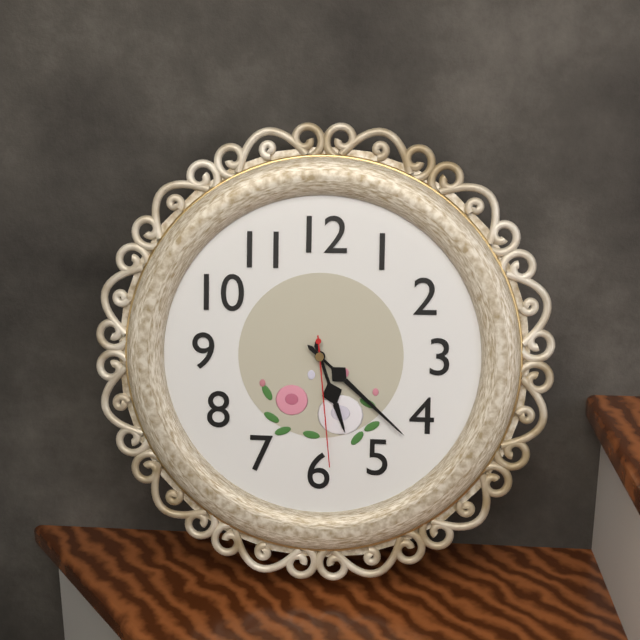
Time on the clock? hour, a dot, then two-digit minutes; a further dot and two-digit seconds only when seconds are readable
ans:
5.22.29
